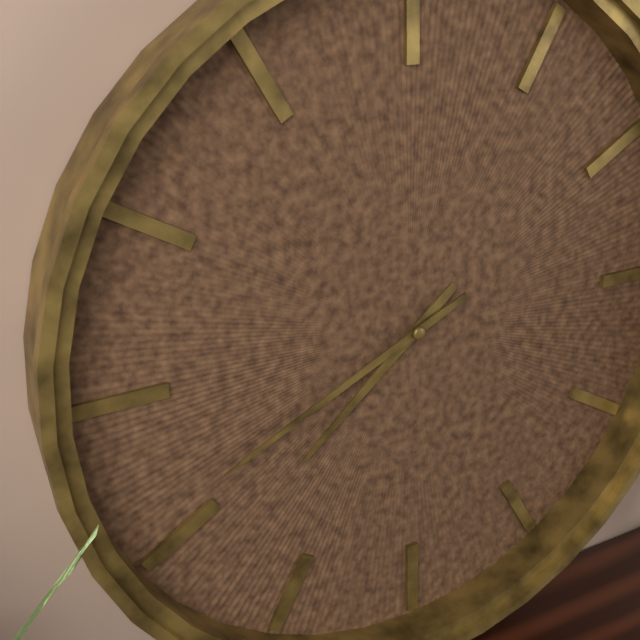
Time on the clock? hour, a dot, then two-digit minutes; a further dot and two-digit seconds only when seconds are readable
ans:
7.41
